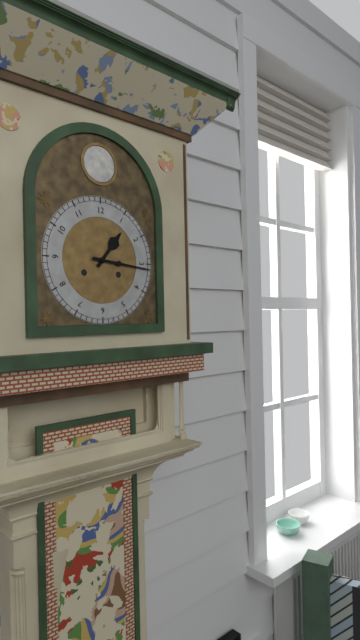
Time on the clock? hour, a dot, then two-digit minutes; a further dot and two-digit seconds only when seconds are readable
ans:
1.16
